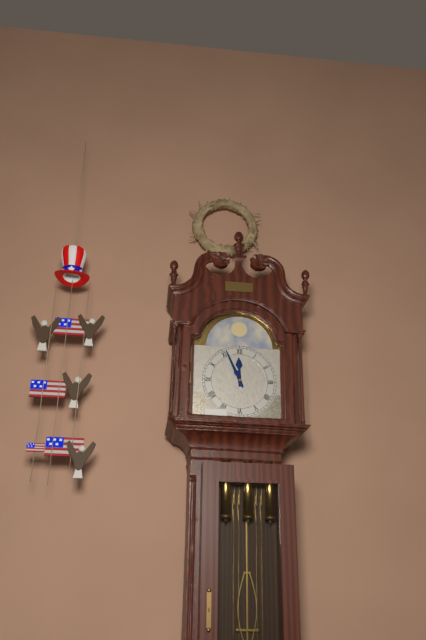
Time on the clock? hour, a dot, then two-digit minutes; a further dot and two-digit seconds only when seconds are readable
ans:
11.56
